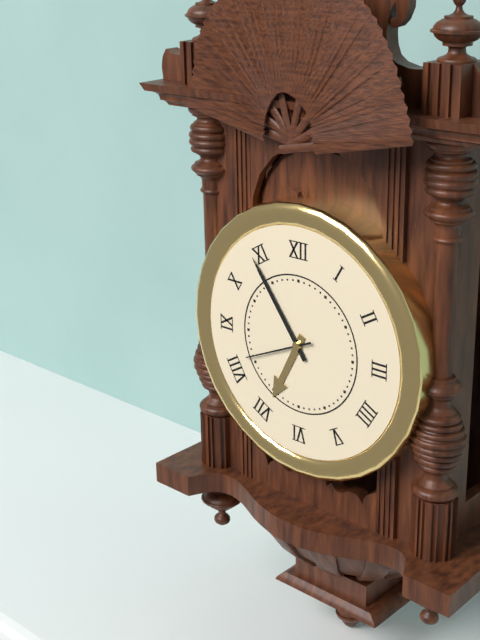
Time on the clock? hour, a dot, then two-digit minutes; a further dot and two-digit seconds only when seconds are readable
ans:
6.54.41
